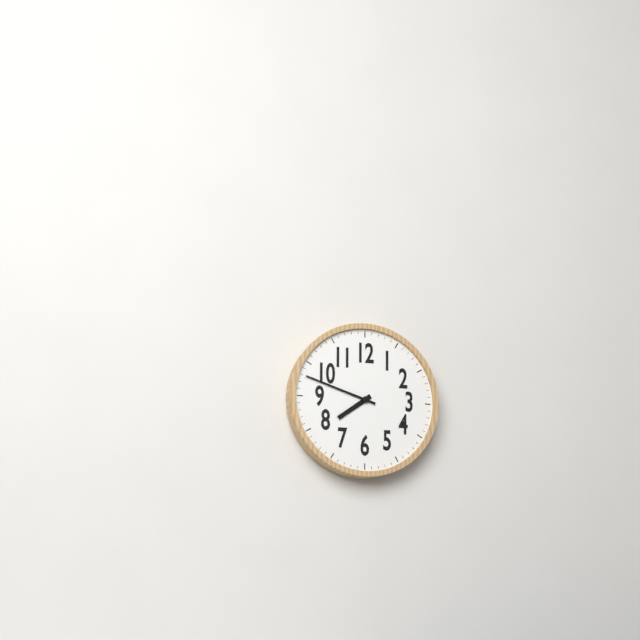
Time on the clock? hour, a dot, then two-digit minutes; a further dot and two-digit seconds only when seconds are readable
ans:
7.48
